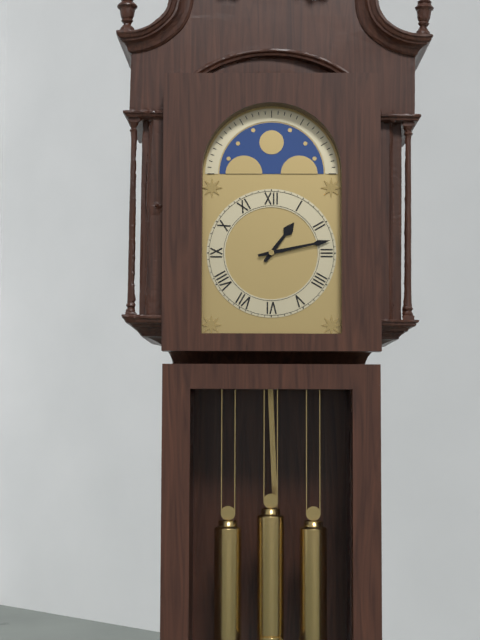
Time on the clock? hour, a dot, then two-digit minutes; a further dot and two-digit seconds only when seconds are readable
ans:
1.13
